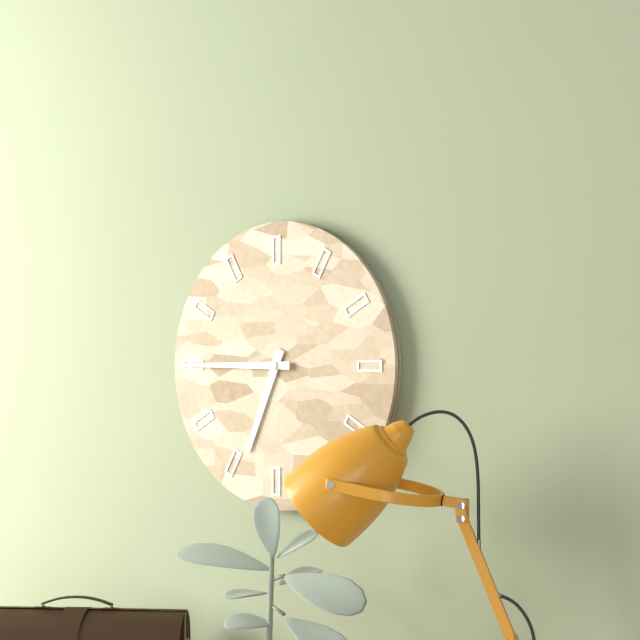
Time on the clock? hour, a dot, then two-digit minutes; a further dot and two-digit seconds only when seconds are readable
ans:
6.45
